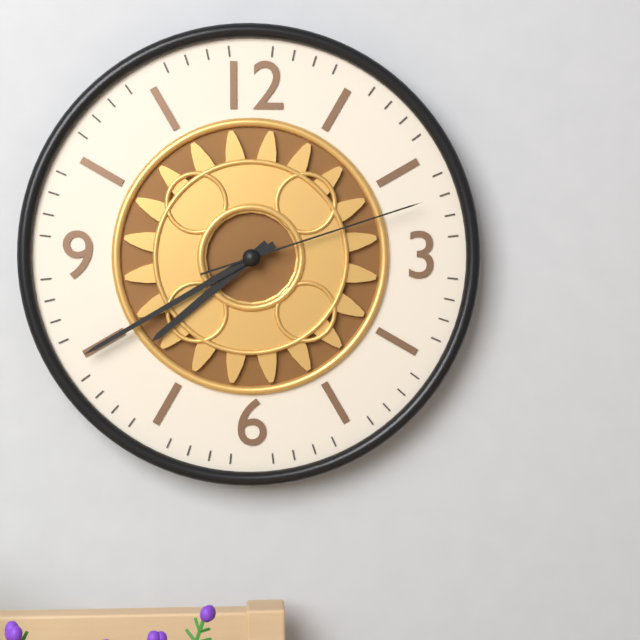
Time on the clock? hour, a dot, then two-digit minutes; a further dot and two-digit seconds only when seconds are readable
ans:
7.40.12
